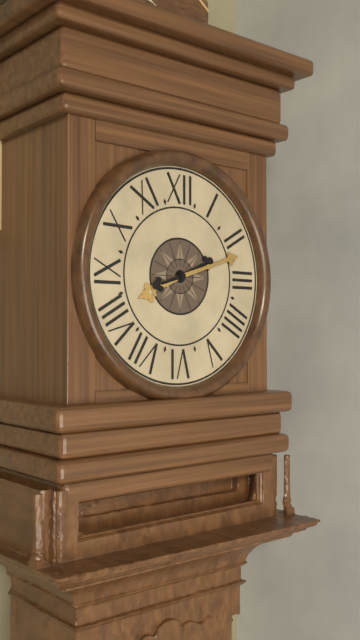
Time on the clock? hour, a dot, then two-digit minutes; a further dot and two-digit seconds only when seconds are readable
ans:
8.12
